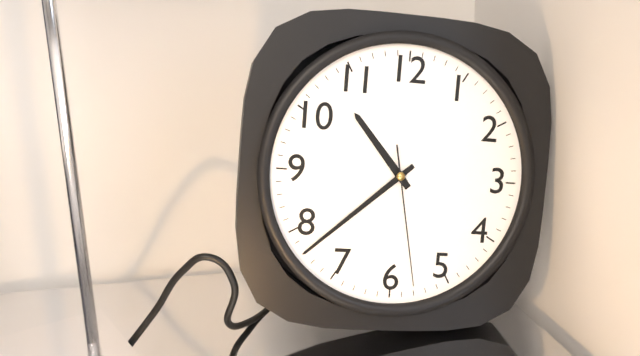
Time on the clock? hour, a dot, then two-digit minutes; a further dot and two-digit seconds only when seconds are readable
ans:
10.38.28
